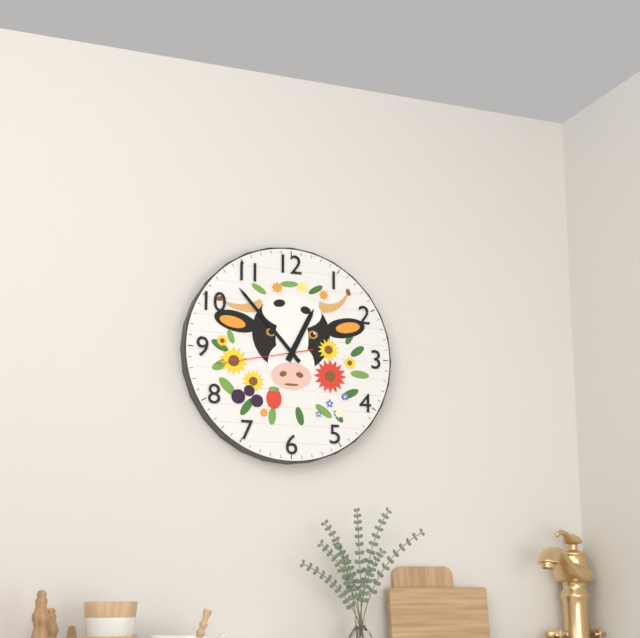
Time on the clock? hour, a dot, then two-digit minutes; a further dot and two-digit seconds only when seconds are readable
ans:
12.53.43
